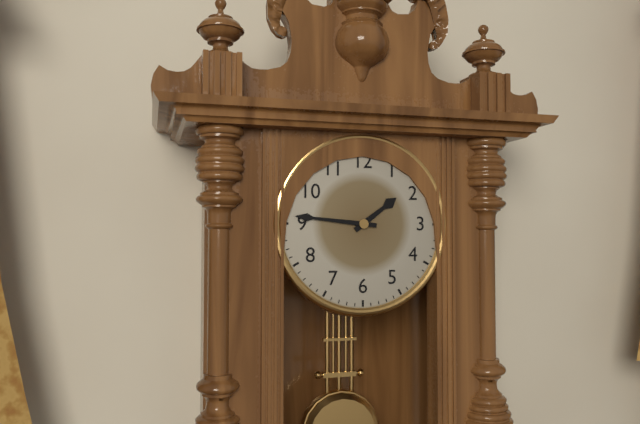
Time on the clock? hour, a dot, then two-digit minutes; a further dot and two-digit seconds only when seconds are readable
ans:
1.46
